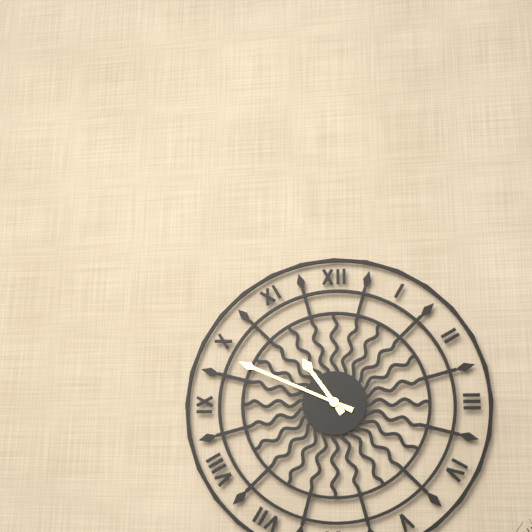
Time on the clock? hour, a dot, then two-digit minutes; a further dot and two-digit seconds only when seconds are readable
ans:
10.49
